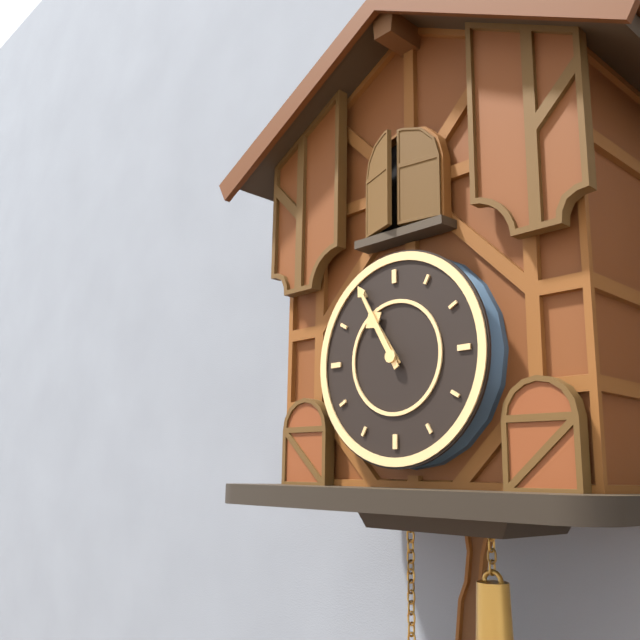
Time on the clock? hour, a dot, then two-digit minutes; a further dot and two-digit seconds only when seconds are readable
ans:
10.55
